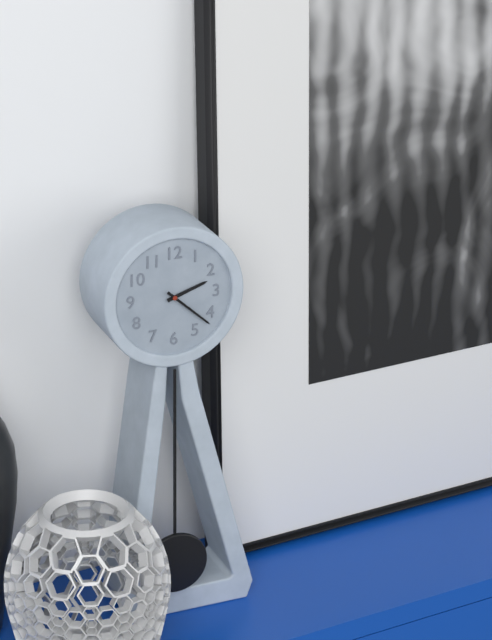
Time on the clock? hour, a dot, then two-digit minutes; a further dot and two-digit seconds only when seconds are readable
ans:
2.22
